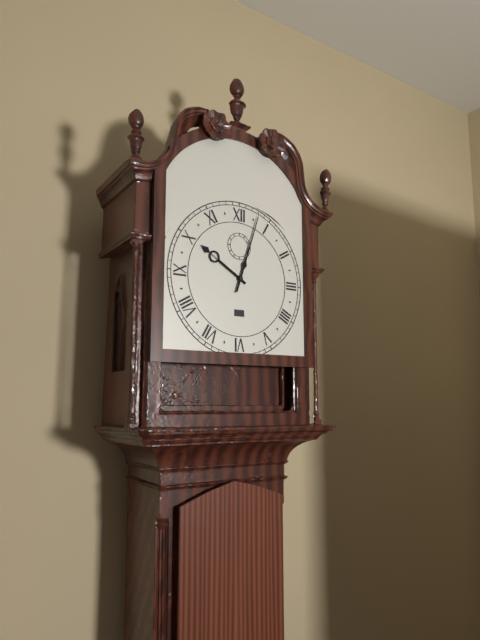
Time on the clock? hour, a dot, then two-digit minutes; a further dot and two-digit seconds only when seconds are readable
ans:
10.03
